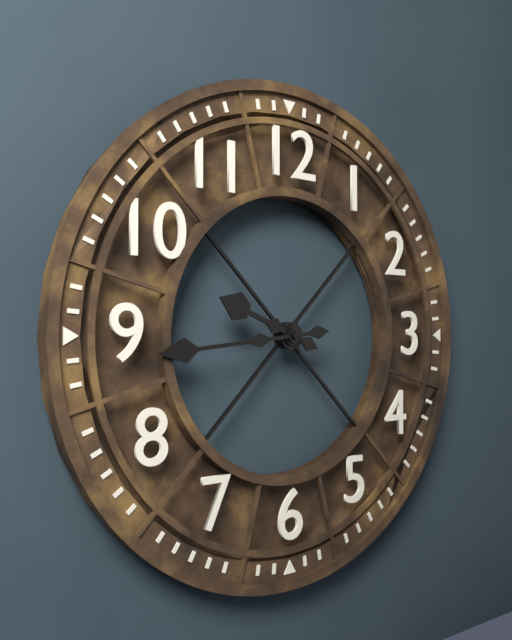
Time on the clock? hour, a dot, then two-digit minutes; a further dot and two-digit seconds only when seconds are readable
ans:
9.44
